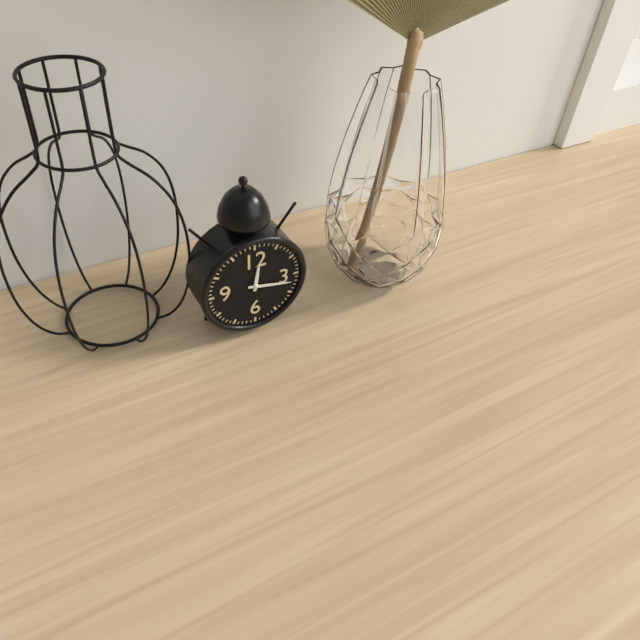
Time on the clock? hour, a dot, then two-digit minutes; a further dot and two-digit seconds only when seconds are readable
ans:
12.17
